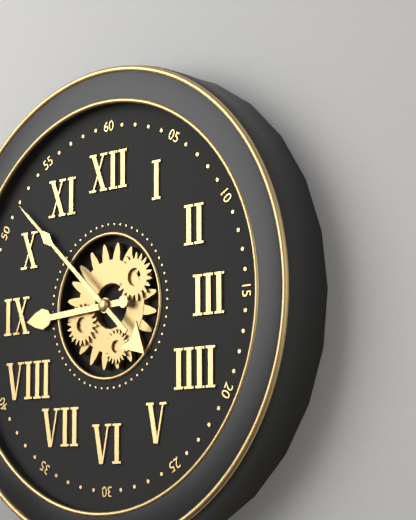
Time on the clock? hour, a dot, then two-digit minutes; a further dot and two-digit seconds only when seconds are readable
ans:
8.52
